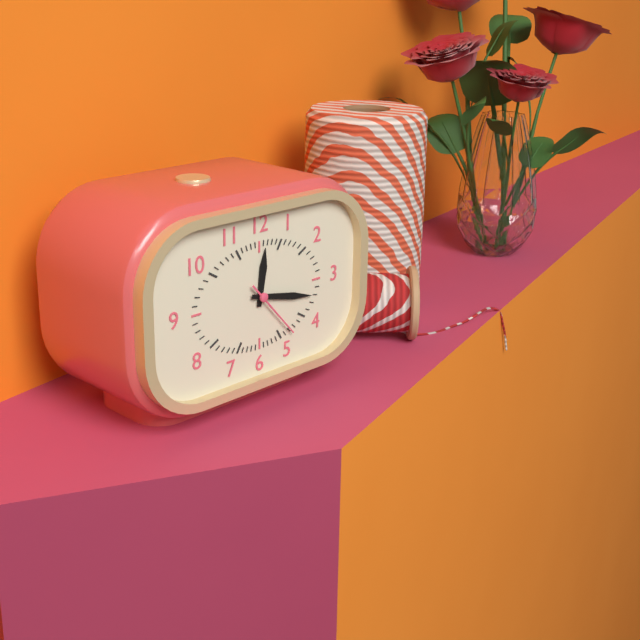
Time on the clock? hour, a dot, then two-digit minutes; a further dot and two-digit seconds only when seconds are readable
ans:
12.17.23
